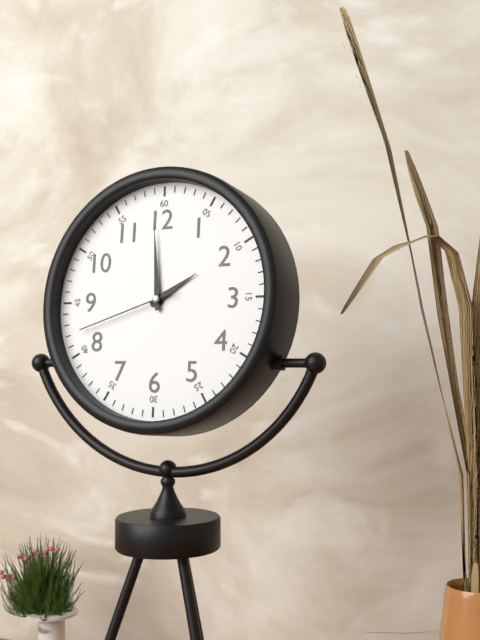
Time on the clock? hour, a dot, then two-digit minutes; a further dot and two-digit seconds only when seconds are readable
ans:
1.59.42
